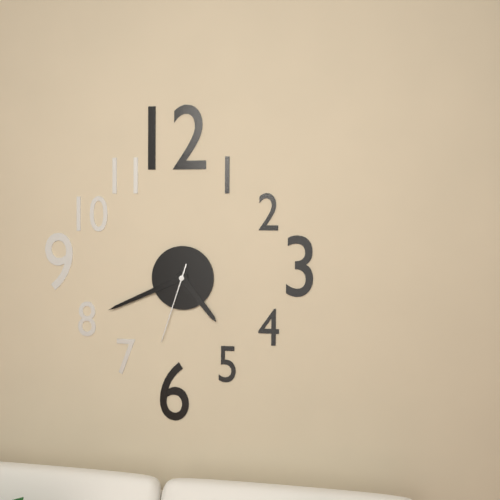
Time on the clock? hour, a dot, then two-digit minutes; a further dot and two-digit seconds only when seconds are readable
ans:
4.41.33
